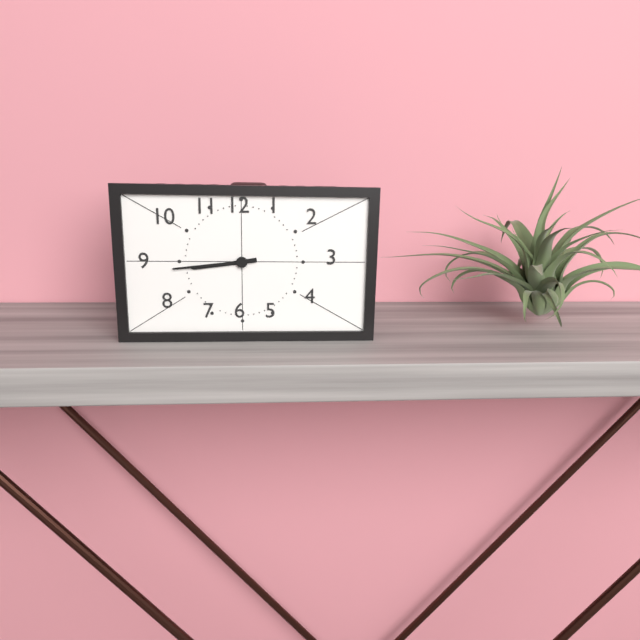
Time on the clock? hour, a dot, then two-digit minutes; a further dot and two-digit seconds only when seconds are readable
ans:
8.44
